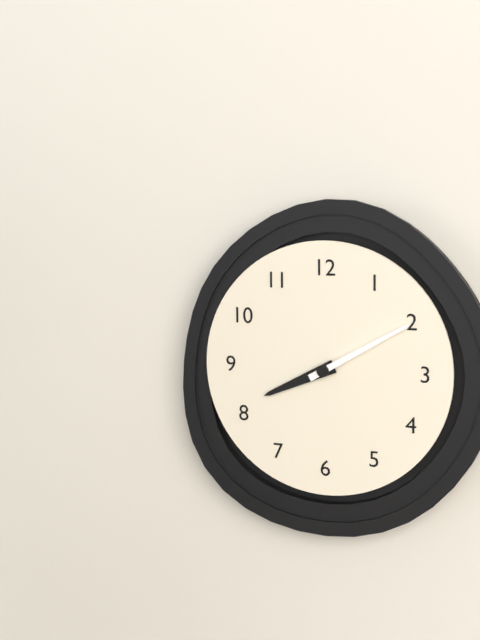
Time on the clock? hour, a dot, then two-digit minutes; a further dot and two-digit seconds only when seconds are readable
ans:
8.10
